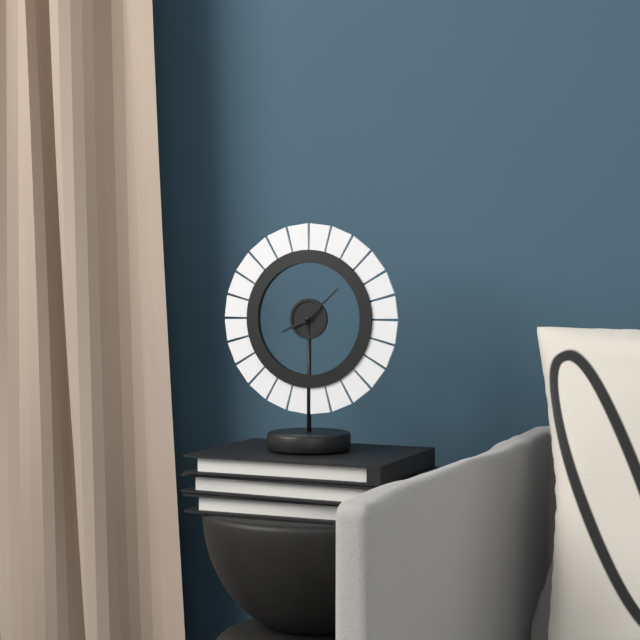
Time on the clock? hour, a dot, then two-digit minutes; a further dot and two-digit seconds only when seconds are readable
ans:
8.08
